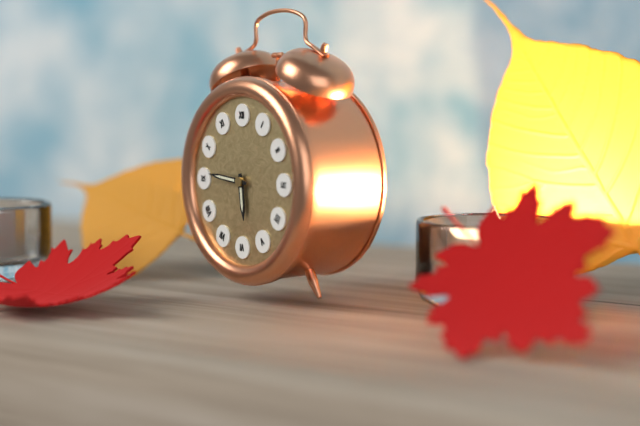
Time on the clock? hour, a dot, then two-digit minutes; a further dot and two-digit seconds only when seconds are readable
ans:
5.46
